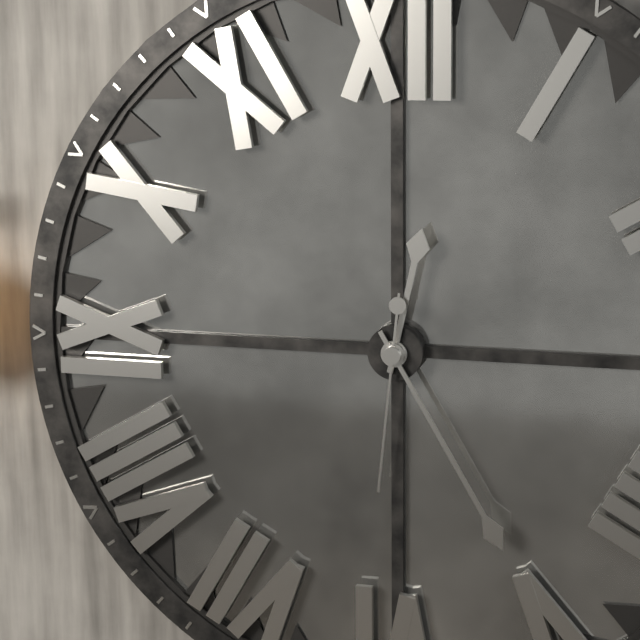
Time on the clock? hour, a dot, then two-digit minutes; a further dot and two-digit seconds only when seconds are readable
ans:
12.25.31
